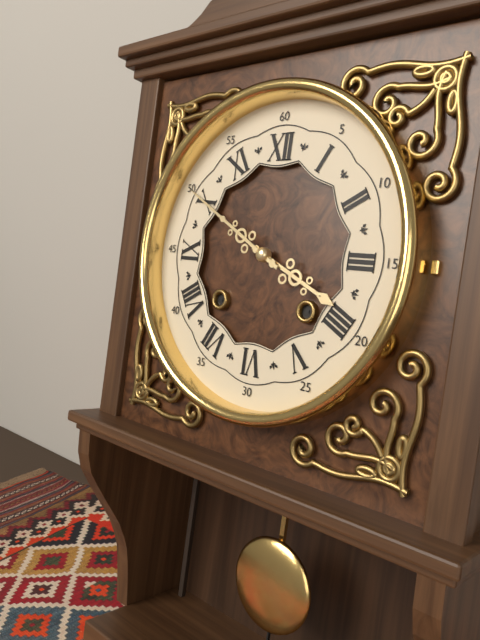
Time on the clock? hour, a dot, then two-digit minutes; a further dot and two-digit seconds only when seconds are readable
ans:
3.50
